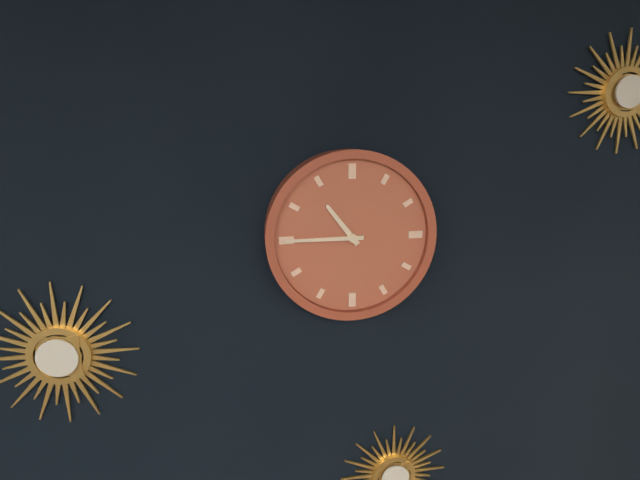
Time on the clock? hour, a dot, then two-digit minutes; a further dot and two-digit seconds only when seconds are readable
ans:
10.45
